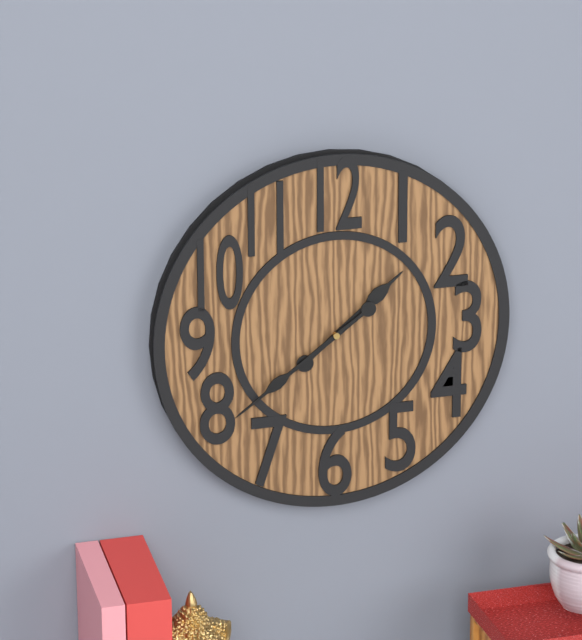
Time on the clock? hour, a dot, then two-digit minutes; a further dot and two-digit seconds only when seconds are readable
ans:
1.39
